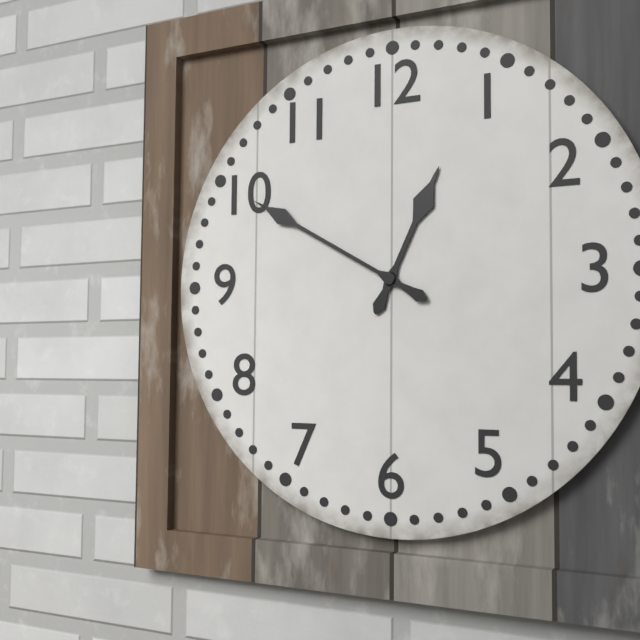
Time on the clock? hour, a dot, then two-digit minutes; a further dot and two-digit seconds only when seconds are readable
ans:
12.50
